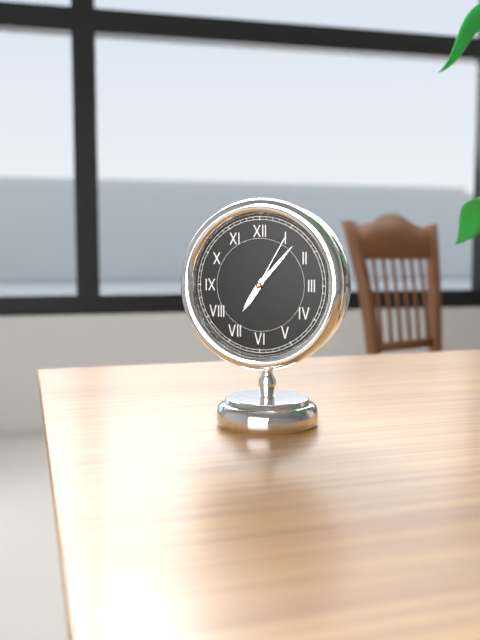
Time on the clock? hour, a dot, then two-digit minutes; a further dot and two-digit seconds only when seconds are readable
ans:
7.07.05
